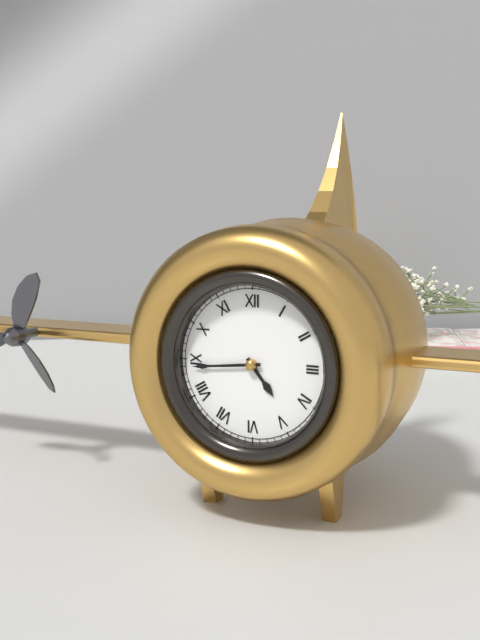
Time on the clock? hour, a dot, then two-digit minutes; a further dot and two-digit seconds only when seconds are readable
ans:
4.44
